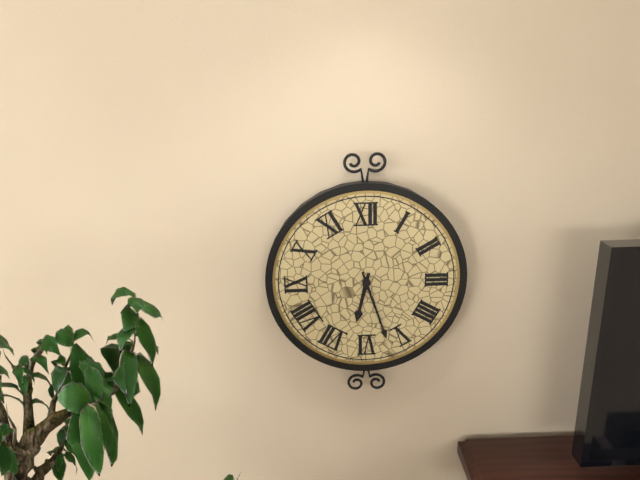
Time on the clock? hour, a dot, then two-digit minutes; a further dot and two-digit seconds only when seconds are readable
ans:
6.27
